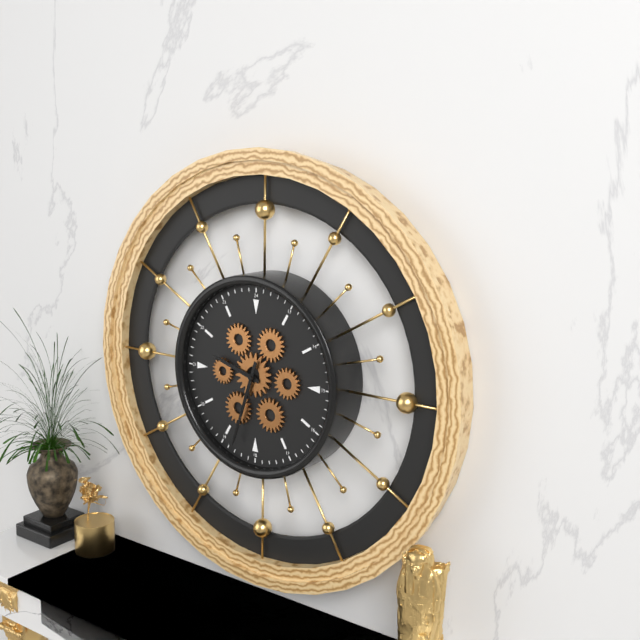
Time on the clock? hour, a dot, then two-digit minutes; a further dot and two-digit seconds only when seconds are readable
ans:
9.33
